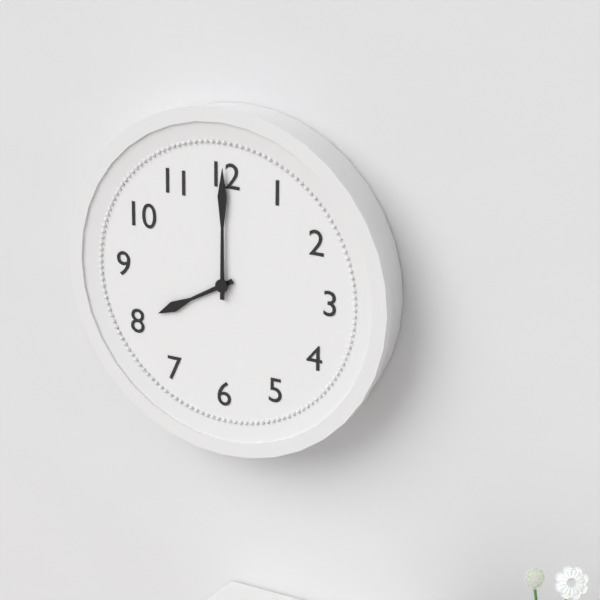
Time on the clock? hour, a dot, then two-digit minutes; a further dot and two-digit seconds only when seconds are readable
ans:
8.00
